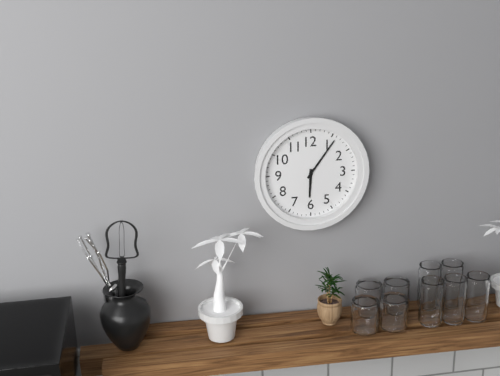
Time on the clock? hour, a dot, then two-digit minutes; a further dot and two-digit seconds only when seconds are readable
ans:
6.06
